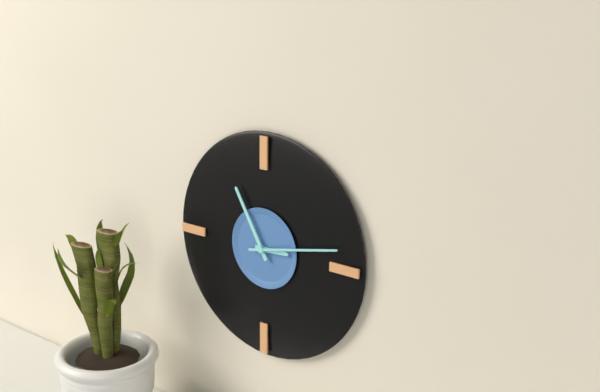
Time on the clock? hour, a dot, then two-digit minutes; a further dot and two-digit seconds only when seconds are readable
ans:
2.55.13
